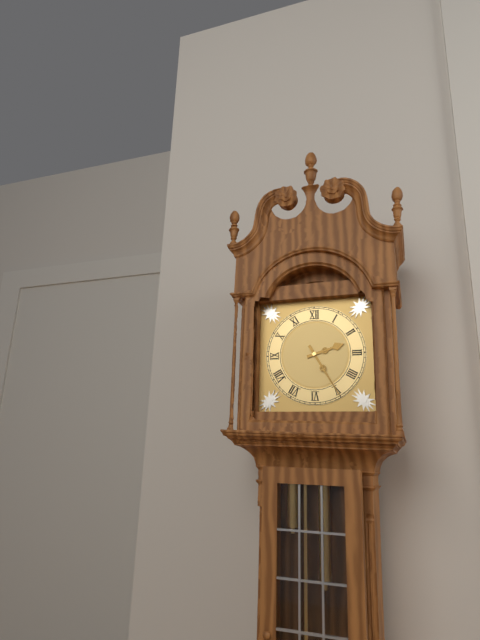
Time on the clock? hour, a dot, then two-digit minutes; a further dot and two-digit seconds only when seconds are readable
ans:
2.25
